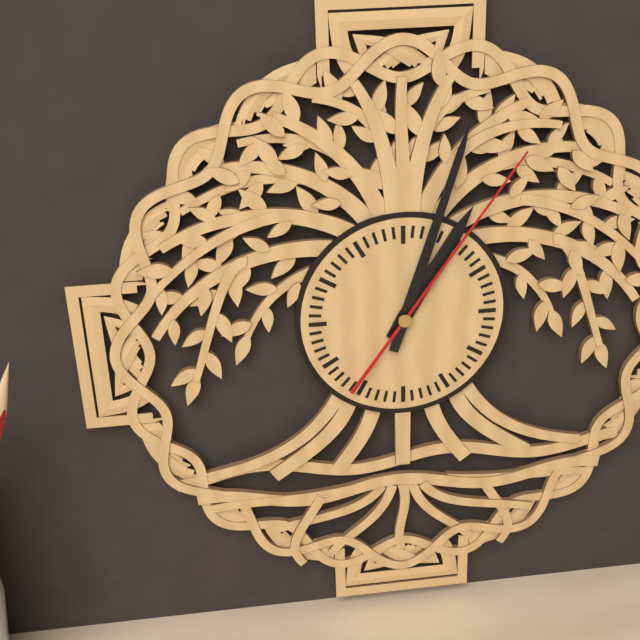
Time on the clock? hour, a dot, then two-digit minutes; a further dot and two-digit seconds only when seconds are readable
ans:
1.03.06
